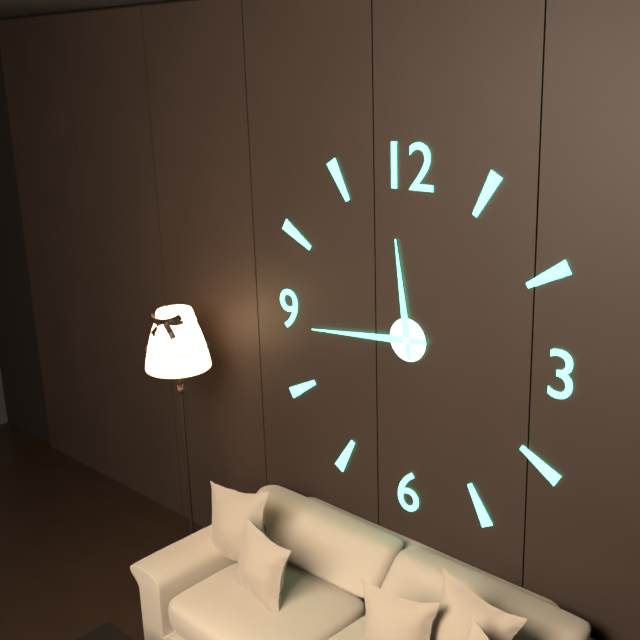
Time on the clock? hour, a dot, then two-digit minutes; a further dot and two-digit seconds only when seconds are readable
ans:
11.44
